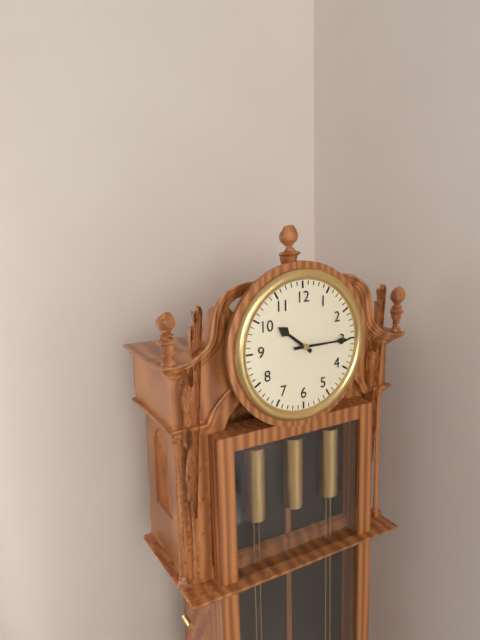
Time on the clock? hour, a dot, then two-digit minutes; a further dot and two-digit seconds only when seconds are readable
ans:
10.15
